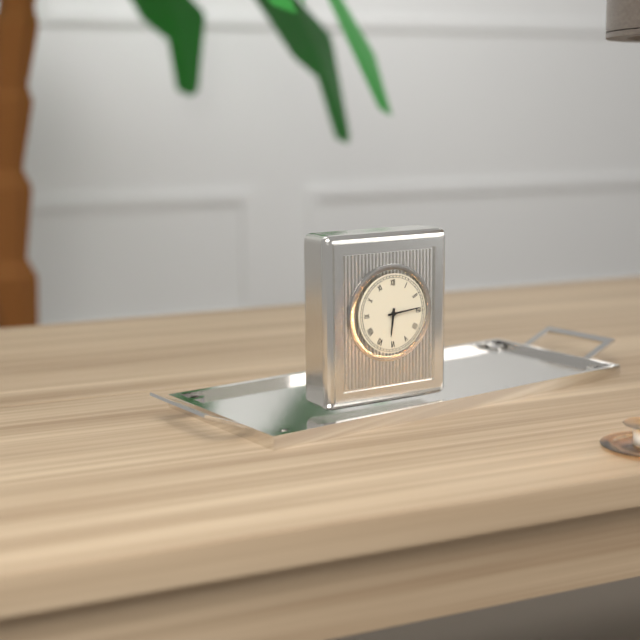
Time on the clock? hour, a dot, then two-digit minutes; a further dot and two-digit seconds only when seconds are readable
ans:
6.14
